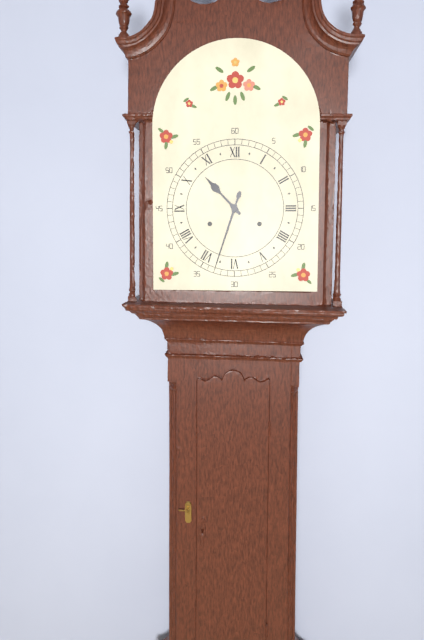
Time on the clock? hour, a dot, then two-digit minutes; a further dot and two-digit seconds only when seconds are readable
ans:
10.33
